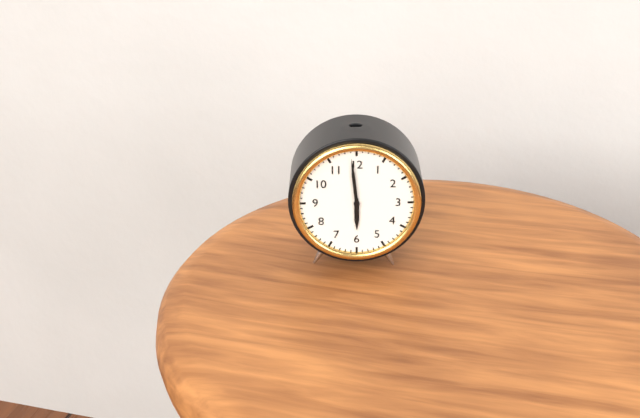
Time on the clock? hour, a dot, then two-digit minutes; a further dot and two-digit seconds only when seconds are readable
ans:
5.59
